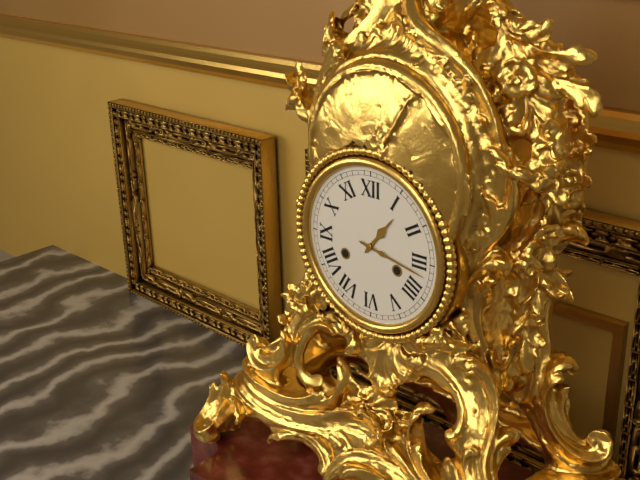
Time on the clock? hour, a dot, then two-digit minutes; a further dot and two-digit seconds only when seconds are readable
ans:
1.17
